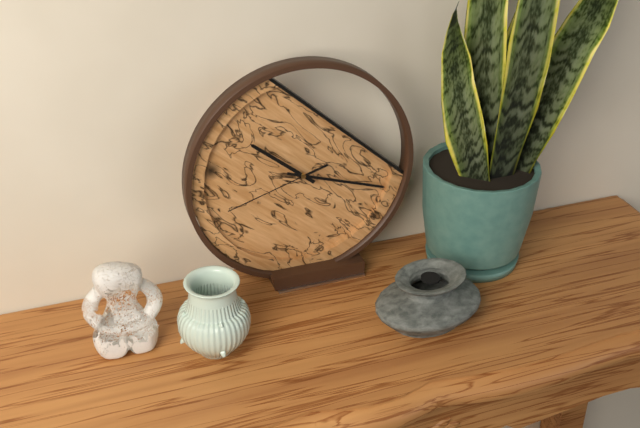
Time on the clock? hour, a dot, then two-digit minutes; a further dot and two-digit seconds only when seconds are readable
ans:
10.18.42
